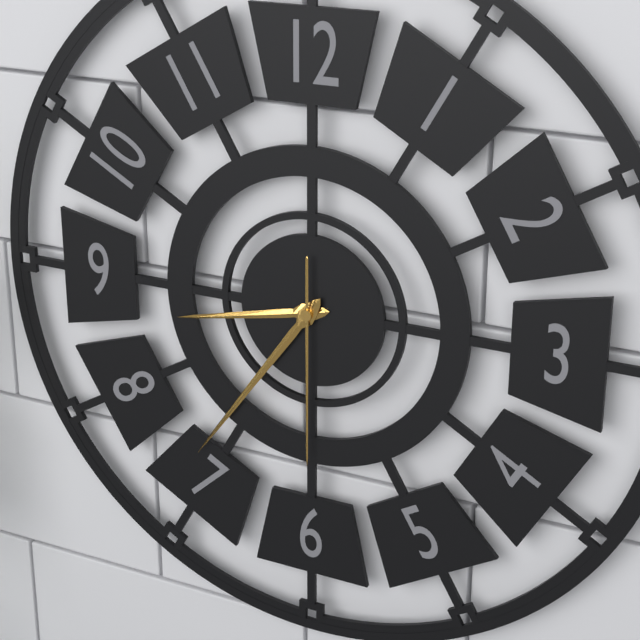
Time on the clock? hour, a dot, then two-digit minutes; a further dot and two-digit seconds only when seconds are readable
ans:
8.36.30
